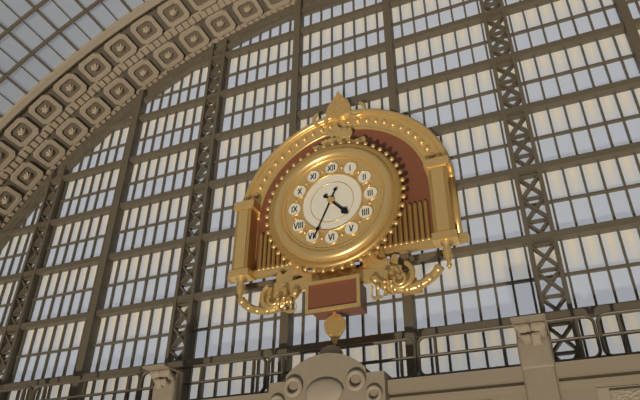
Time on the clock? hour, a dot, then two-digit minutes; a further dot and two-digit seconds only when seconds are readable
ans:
4.34
